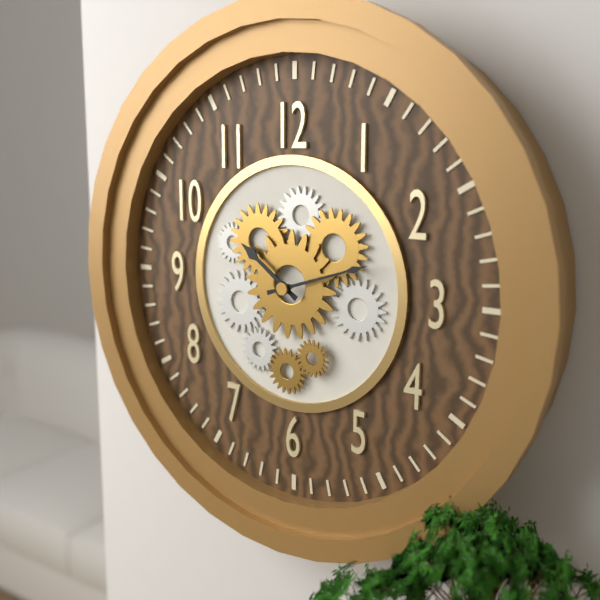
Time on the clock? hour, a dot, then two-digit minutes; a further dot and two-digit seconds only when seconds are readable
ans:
10.12
